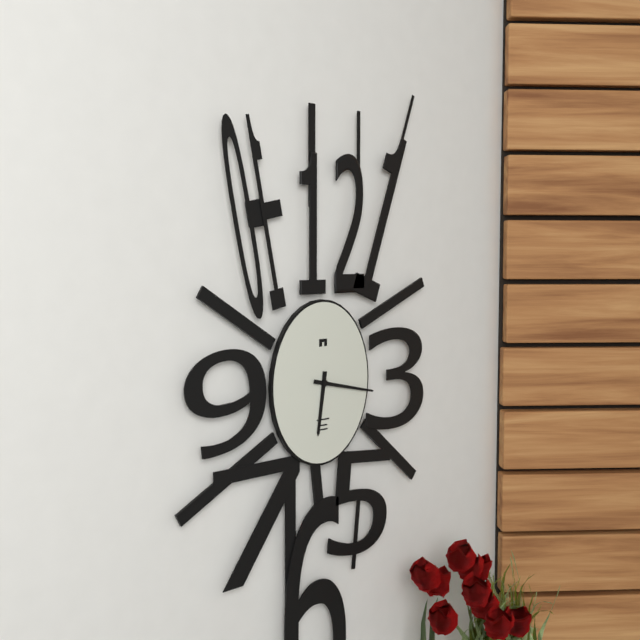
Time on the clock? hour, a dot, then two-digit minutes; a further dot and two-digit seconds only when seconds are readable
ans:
6.17
